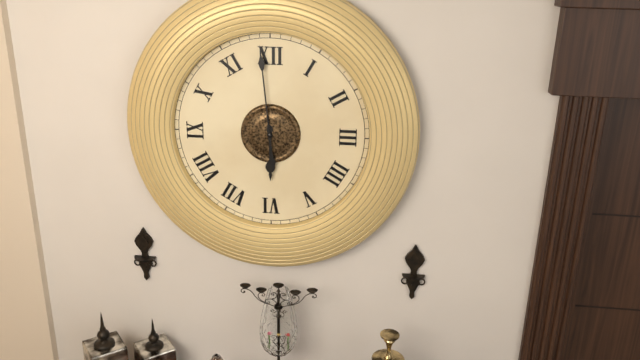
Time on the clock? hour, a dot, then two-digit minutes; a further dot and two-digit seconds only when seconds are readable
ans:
5.59
